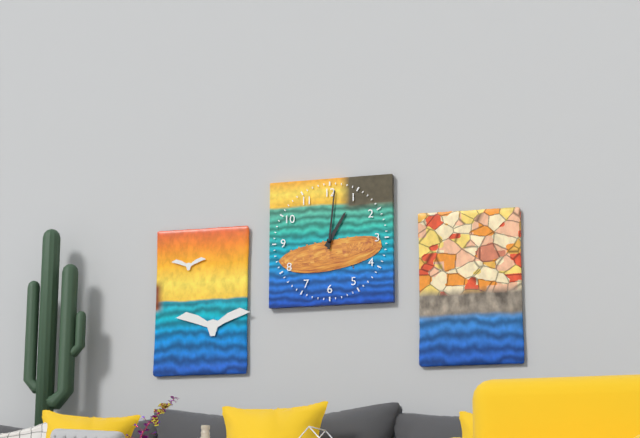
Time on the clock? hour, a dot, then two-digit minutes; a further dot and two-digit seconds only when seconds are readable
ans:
1.01
